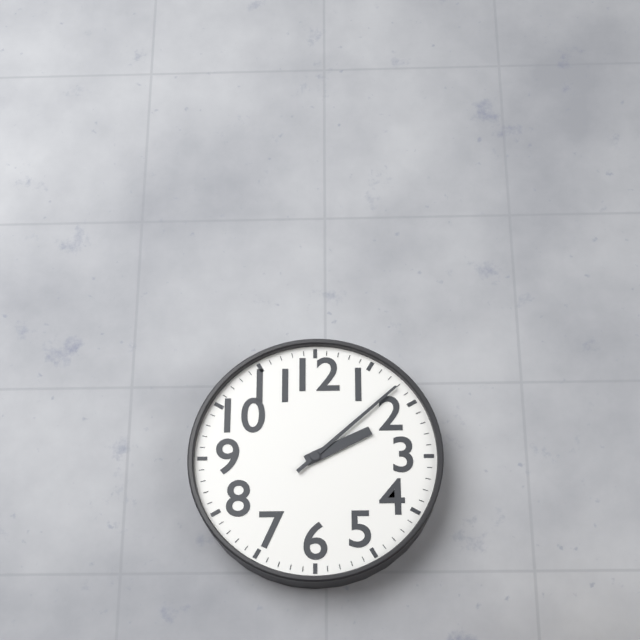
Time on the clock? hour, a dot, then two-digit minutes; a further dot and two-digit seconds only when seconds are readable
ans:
2.08
